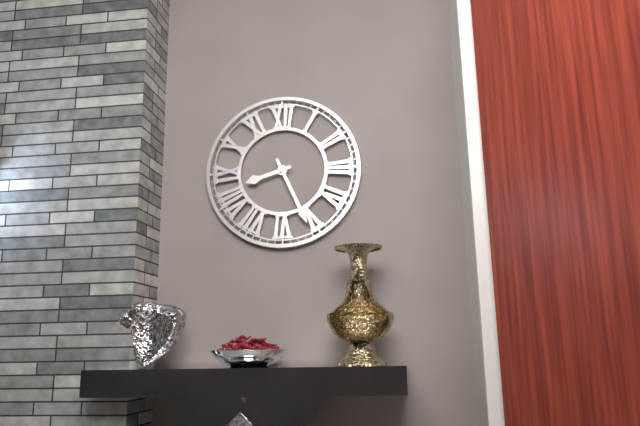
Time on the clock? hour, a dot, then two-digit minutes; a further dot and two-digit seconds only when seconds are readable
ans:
8.26
